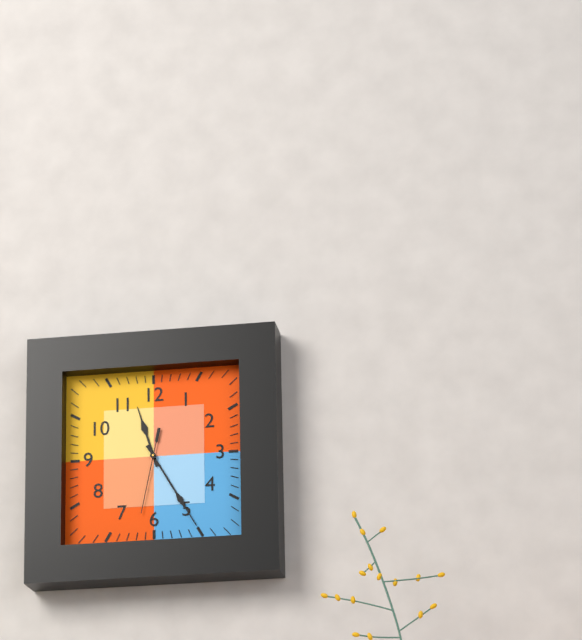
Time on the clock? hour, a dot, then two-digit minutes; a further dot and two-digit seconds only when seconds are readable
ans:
11.25.32
